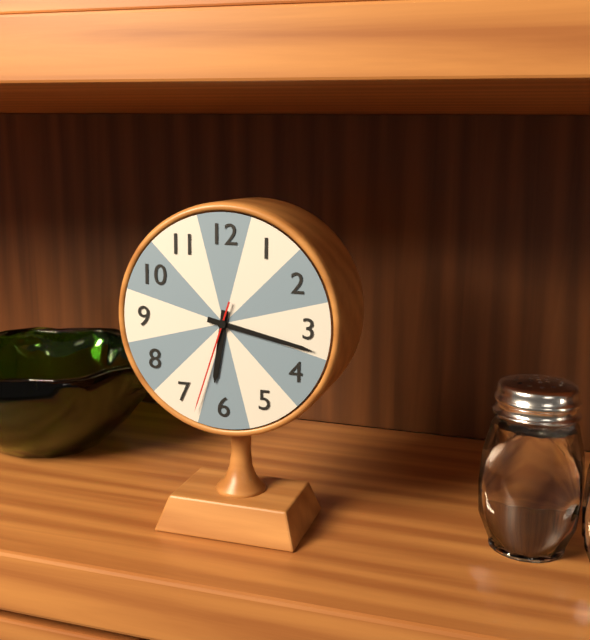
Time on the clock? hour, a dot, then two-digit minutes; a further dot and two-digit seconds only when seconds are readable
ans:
6.17.33
